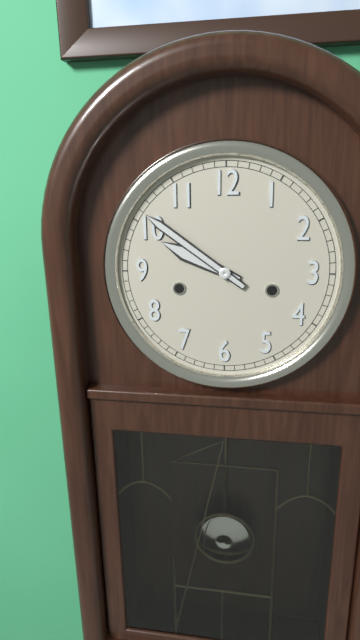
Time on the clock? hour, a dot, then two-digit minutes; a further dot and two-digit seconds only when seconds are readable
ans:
9.51
